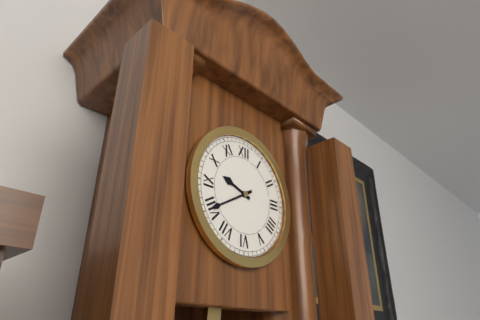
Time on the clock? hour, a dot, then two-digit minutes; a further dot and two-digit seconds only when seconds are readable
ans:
9.40
